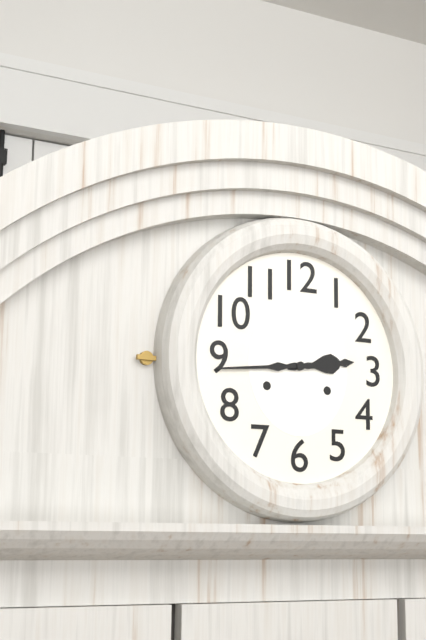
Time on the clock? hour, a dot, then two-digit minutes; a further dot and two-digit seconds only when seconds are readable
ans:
2.44
